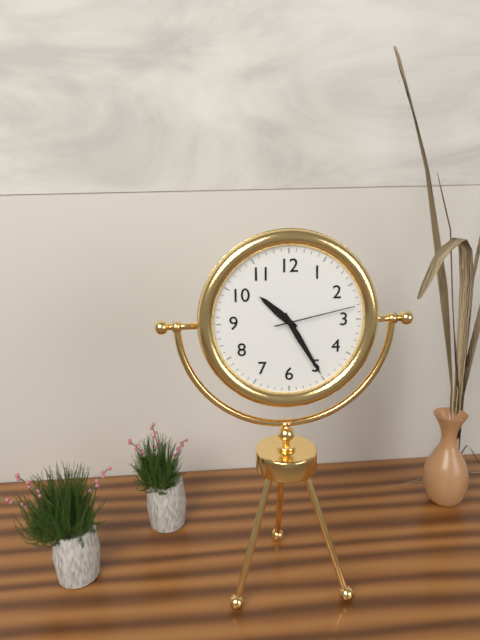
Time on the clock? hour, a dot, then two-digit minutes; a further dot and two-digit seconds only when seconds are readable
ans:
10.25.13
